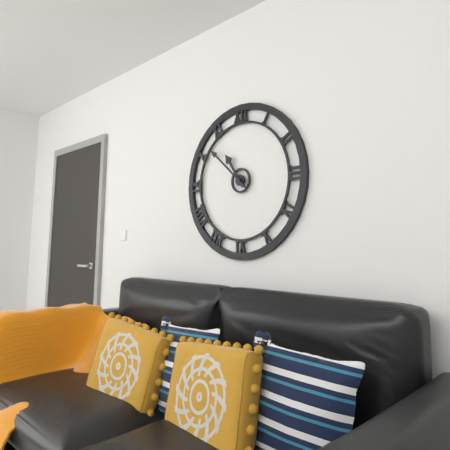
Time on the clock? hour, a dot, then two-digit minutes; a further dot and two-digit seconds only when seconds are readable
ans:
10.52
